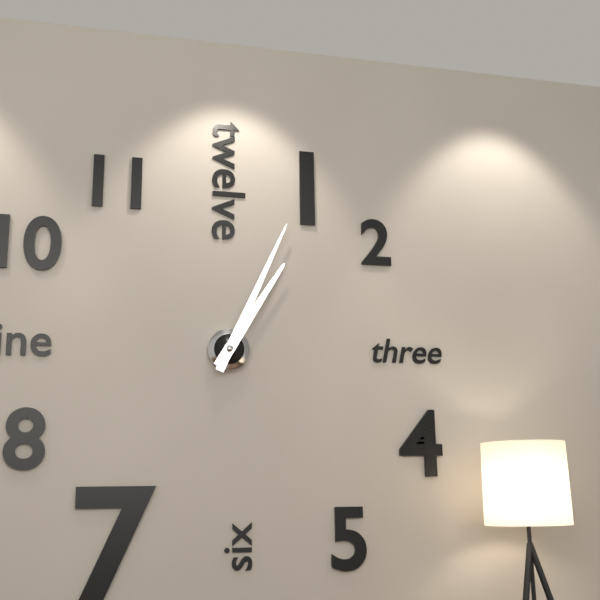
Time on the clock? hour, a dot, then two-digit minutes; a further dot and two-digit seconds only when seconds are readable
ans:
1.04
